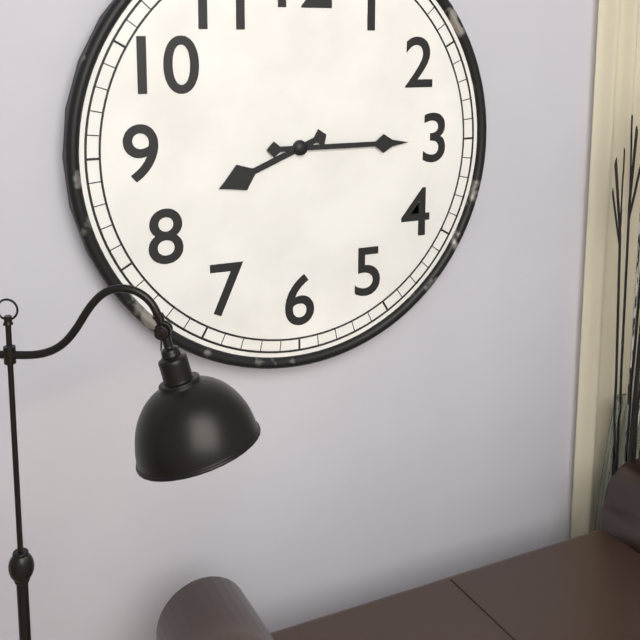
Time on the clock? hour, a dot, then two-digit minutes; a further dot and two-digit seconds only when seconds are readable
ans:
8.15
